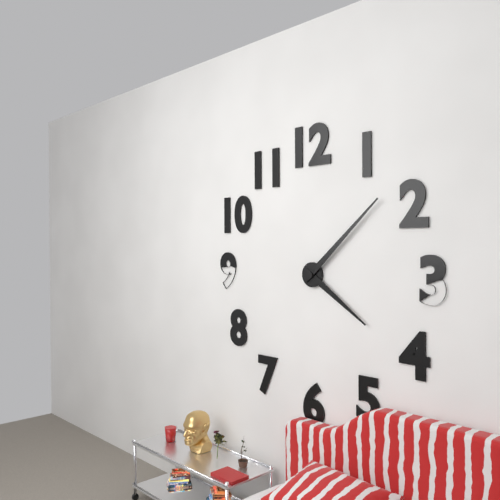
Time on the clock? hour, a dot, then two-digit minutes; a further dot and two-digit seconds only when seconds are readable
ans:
4.08
